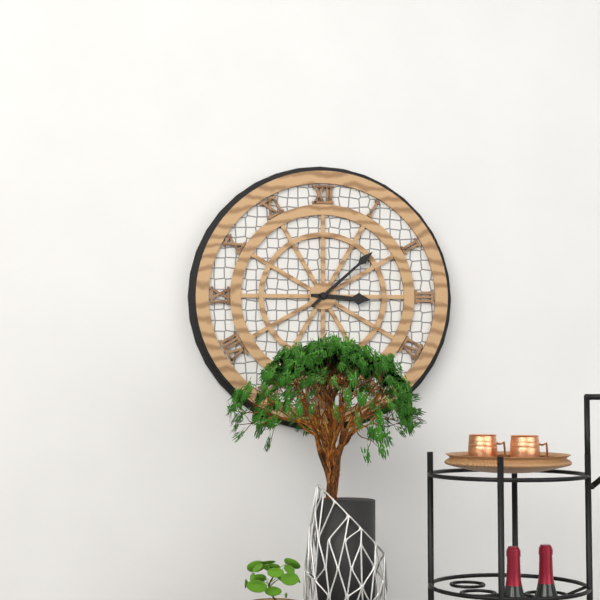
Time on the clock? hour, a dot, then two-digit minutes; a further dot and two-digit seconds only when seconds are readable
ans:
3.08
